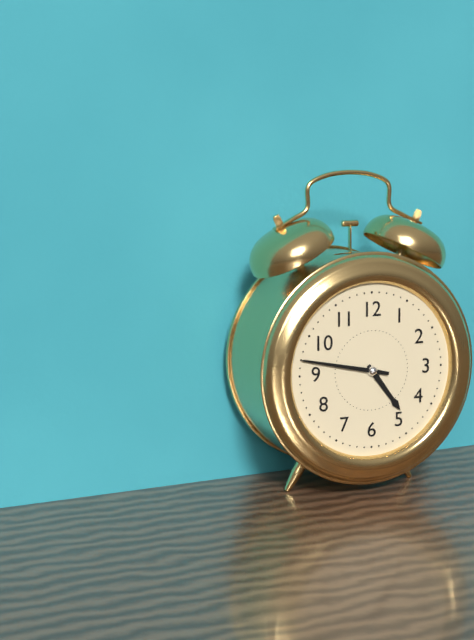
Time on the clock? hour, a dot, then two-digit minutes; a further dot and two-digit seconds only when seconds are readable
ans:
4.47
